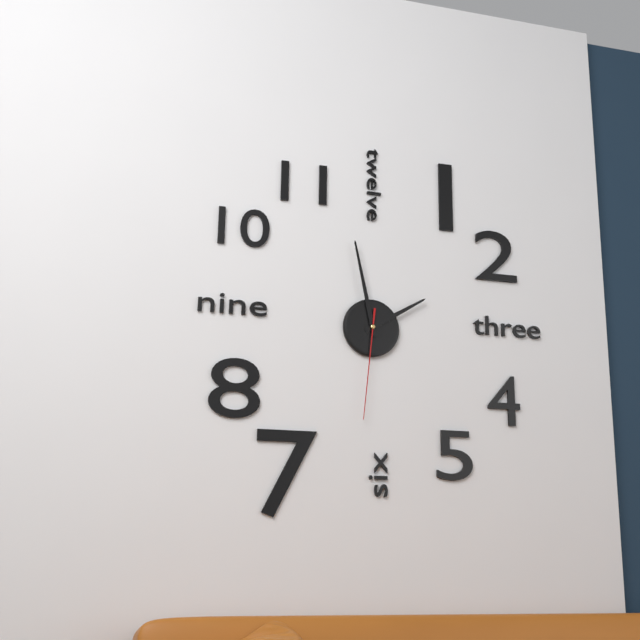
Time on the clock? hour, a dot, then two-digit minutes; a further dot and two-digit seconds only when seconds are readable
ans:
1.58.31
